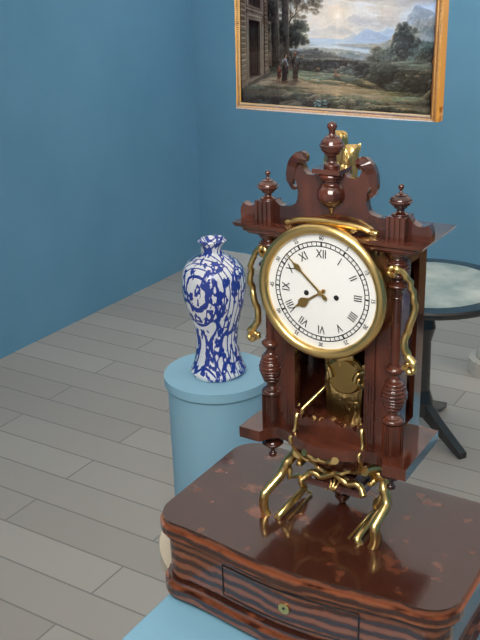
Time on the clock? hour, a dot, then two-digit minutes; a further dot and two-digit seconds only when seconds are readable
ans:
7.52
